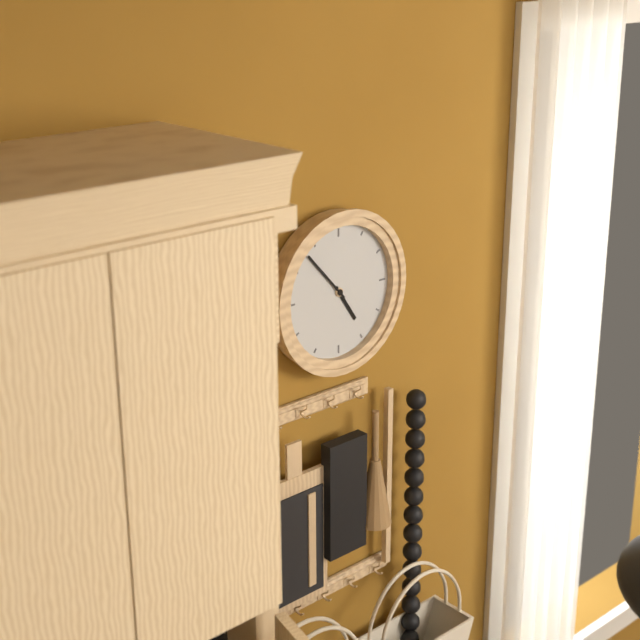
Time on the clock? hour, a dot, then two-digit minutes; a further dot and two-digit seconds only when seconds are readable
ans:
4.53
